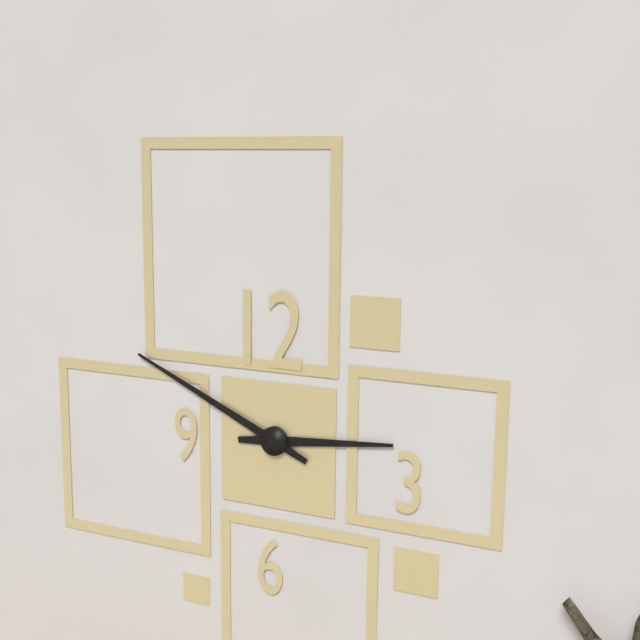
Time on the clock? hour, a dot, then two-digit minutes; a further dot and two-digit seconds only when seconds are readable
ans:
2.49
